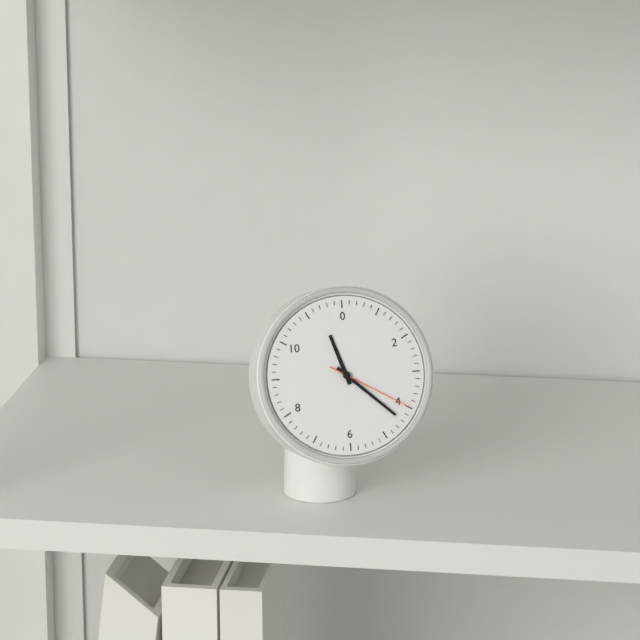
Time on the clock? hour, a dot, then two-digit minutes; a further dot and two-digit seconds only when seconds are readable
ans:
11.22.20
